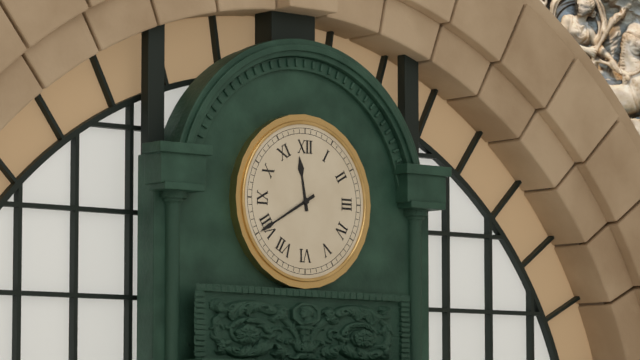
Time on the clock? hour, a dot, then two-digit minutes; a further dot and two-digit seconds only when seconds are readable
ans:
11.40
